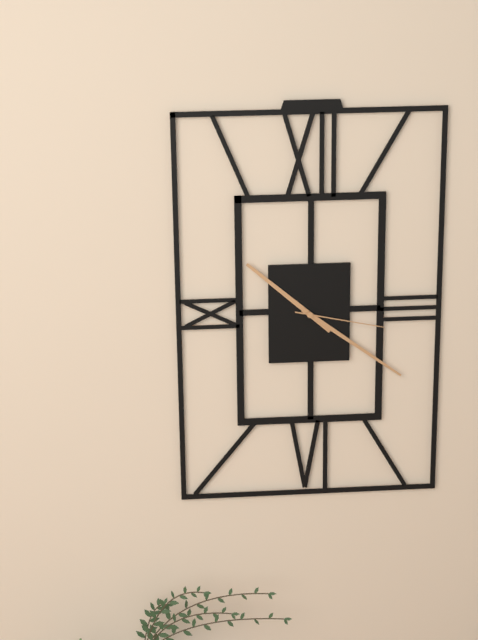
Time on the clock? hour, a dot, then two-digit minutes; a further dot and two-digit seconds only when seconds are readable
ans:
10.21.17
